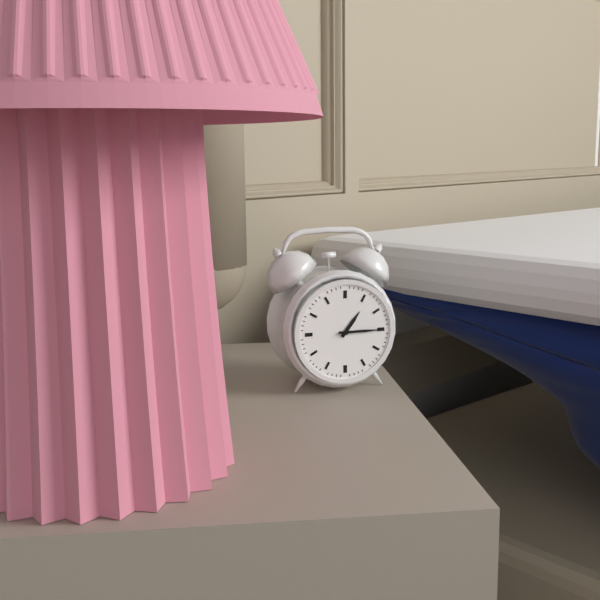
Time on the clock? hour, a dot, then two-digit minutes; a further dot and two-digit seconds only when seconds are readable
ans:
1.15
